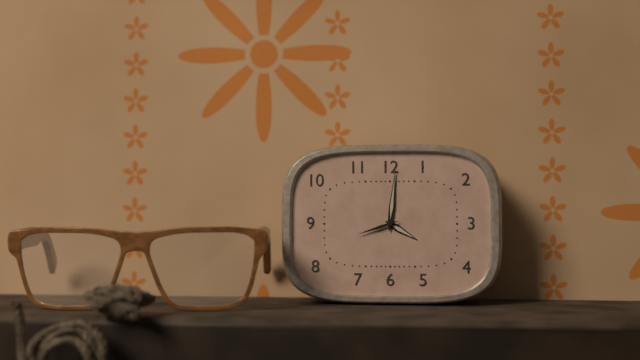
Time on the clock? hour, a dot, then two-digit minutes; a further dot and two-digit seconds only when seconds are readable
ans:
4.01
